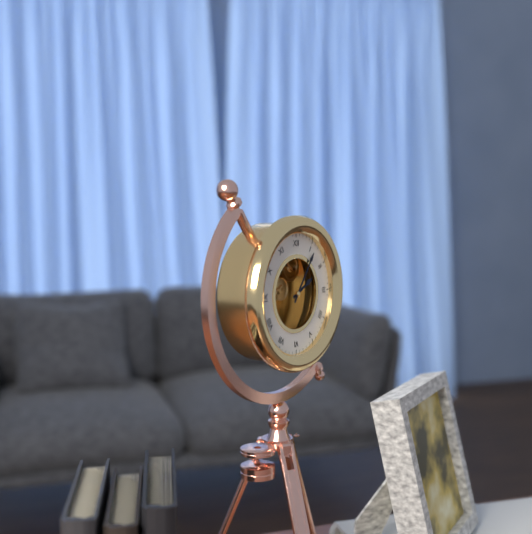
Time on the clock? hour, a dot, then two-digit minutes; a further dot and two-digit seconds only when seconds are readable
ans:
2.06
